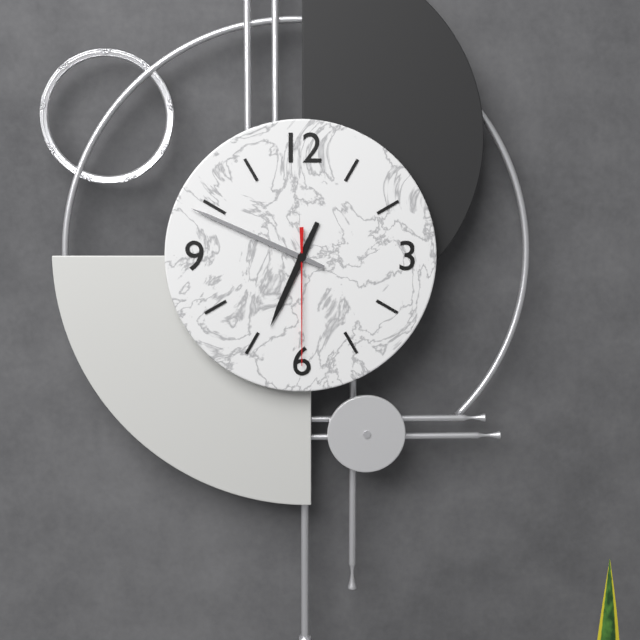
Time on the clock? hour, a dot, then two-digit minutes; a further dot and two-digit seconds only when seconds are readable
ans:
6.49.30
